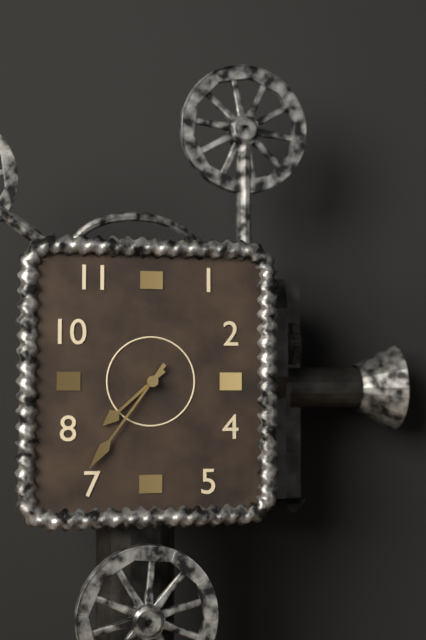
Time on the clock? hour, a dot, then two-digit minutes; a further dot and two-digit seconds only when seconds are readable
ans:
7.36
